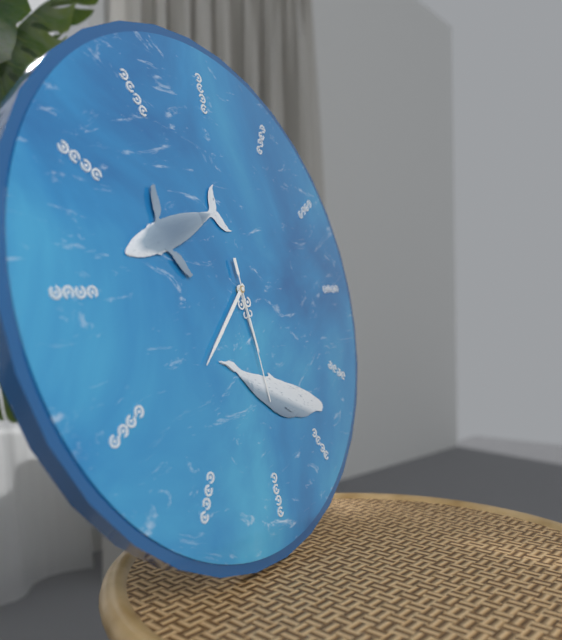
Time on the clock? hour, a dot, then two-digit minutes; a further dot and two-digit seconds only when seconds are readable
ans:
5.38.29
